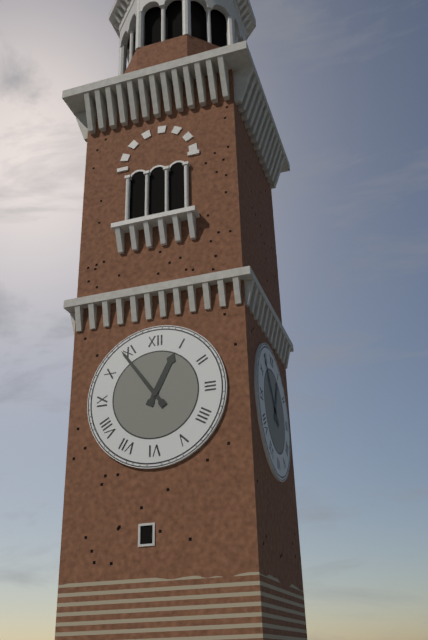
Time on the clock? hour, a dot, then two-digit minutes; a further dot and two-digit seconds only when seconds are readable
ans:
12.54
